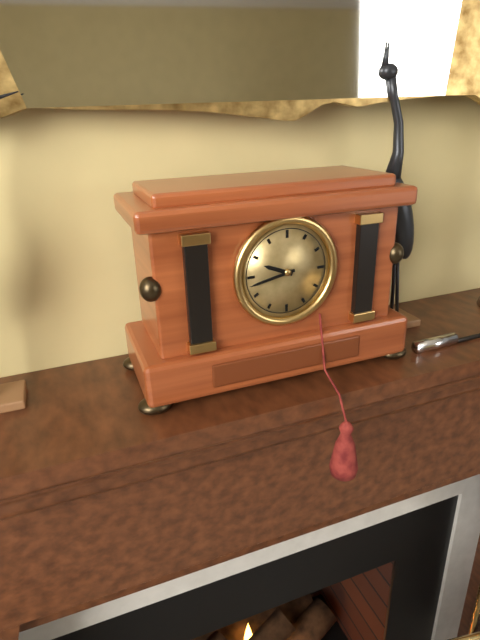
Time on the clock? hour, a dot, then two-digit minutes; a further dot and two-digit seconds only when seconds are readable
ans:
9.43
